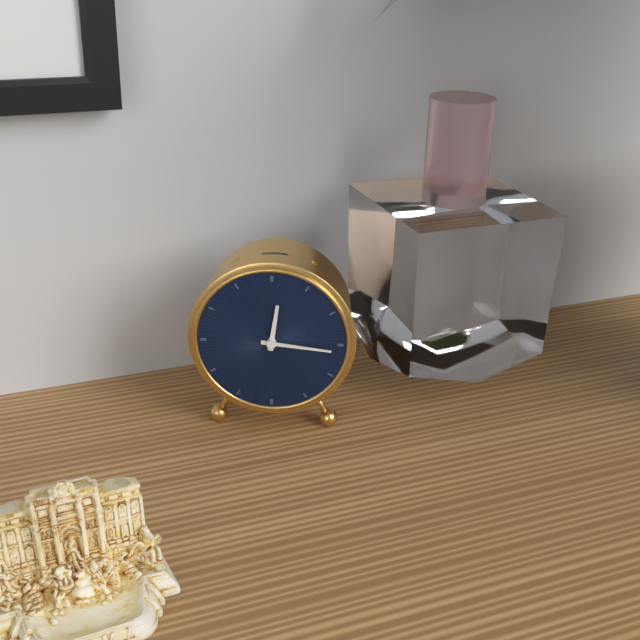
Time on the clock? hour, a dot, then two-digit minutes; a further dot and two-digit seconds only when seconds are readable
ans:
12.16
